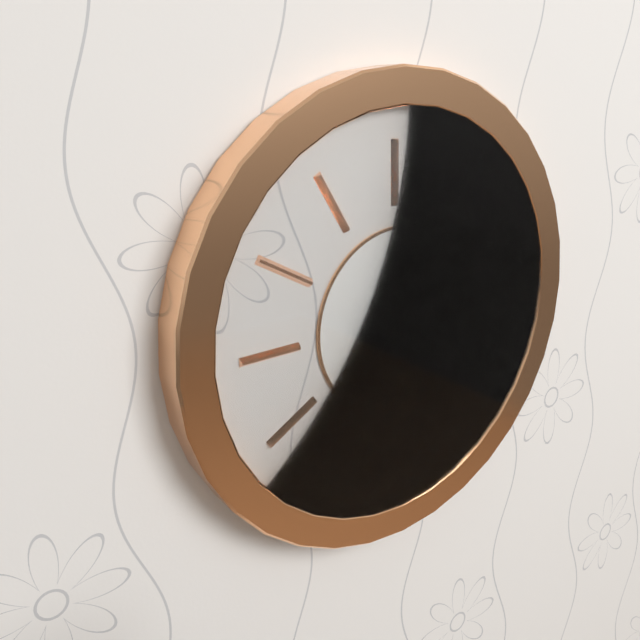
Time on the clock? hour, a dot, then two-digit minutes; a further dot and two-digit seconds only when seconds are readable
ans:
6.30
